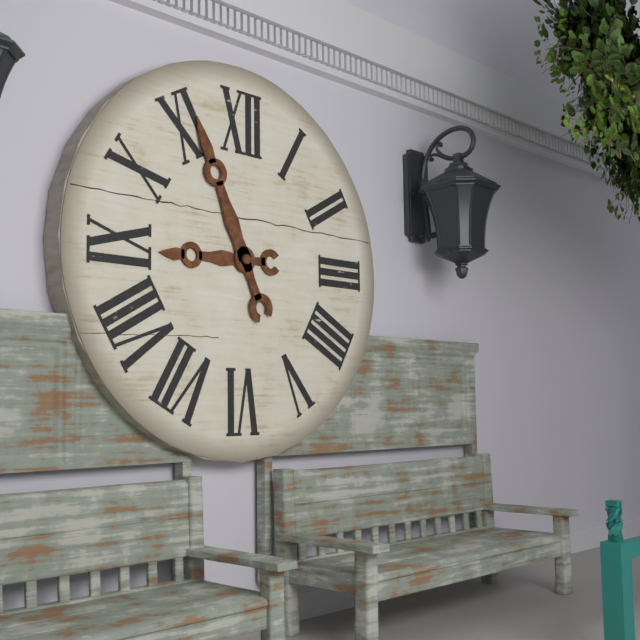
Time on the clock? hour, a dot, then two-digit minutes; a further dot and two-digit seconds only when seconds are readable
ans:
8.56
